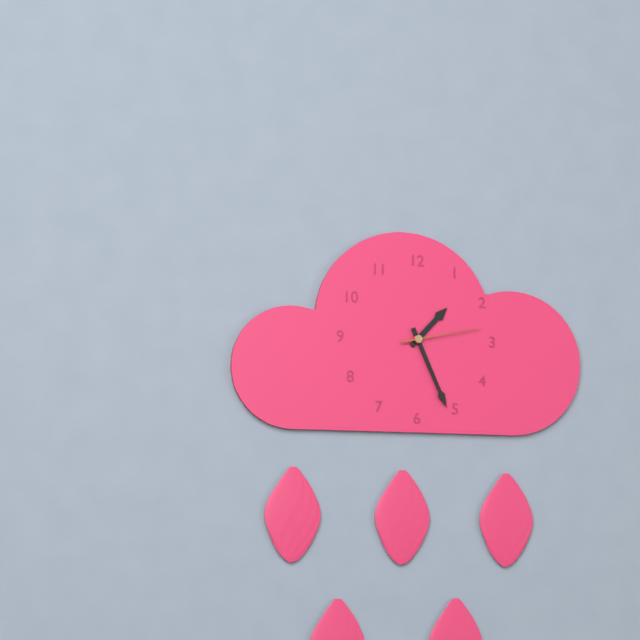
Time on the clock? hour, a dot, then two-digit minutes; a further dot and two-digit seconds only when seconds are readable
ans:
1.26.13
